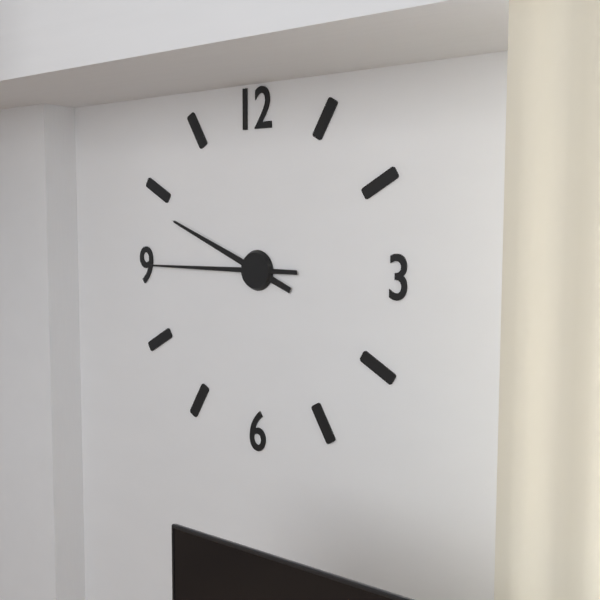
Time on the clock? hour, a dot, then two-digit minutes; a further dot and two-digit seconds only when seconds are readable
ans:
9.45
